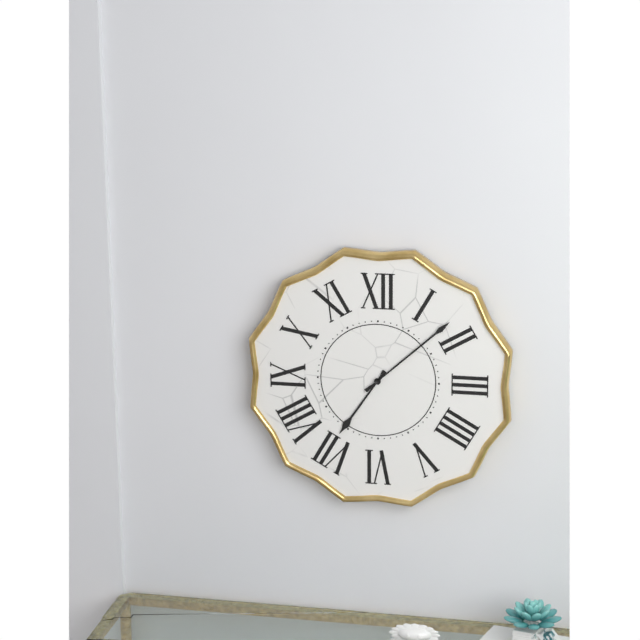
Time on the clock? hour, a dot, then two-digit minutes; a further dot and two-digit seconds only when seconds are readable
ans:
7.08
